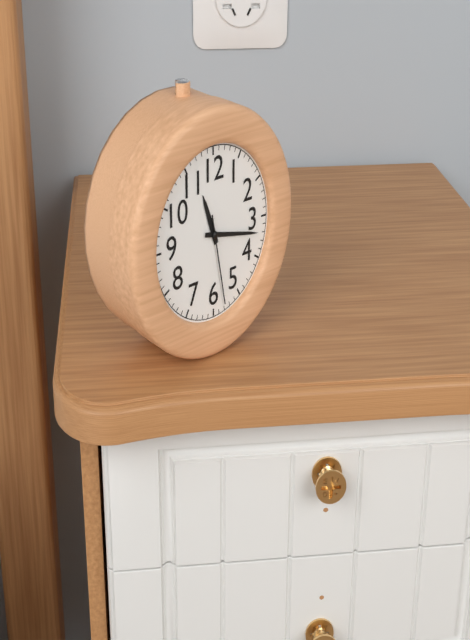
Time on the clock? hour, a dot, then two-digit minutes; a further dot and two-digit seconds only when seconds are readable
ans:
11.17.28
